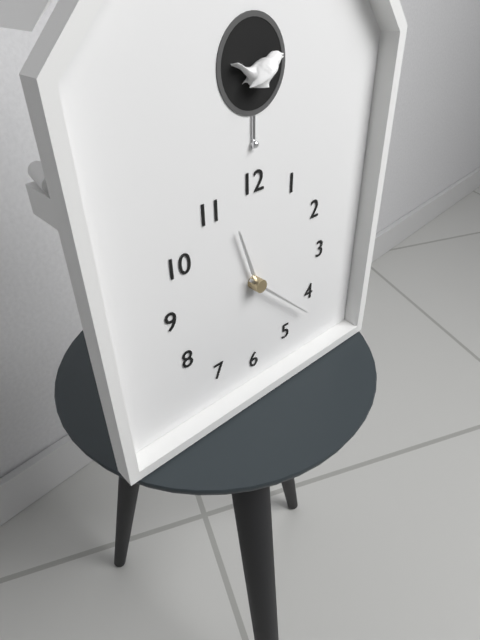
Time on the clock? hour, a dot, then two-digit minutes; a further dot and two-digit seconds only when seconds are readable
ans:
11.22
